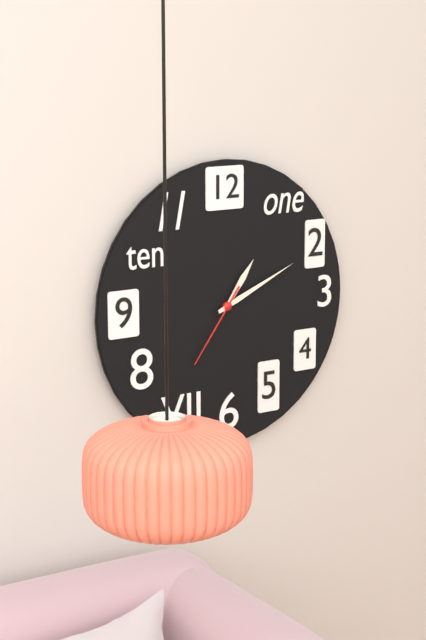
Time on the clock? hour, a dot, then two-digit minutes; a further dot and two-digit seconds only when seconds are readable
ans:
1.11.36
